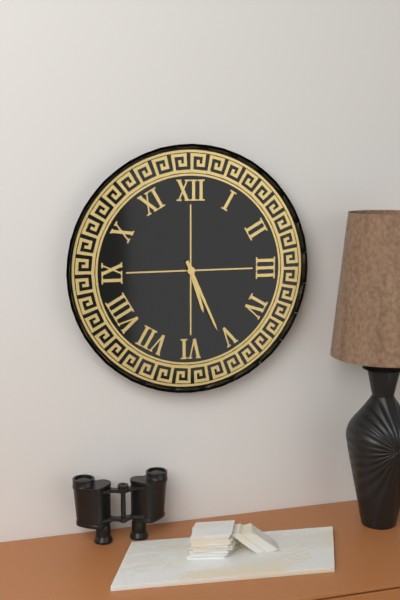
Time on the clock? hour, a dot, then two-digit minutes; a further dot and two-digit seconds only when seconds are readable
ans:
5.26
